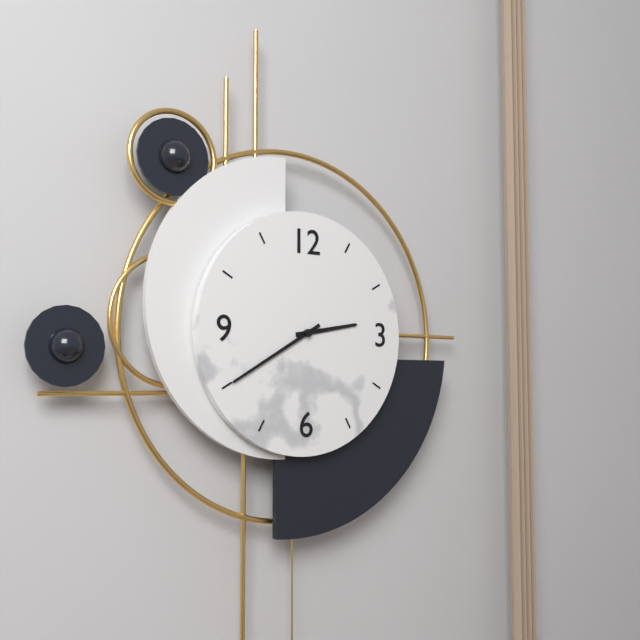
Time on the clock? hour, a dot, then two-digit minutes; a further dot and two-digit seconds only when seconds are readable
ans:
2.40
